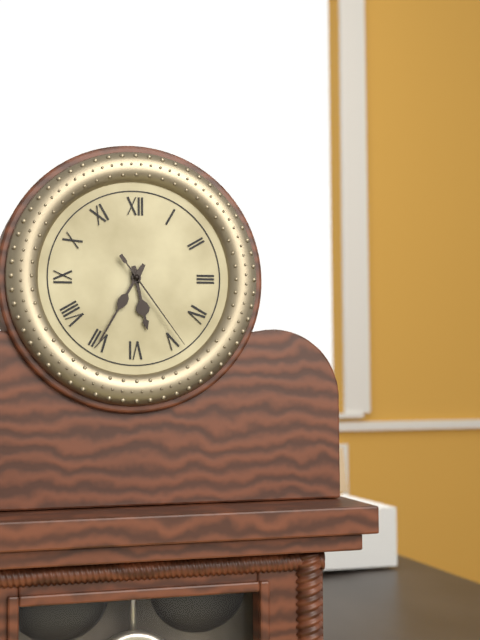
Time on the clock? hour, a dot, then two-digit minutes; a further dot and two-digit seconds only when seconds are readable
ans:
5.35.24
